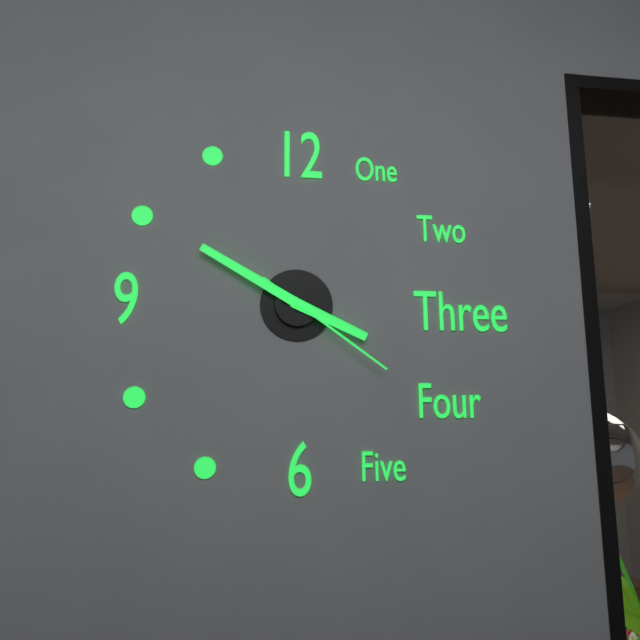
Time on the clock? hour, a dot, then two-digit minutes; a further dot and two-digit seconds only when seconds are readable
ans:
3.50.21
